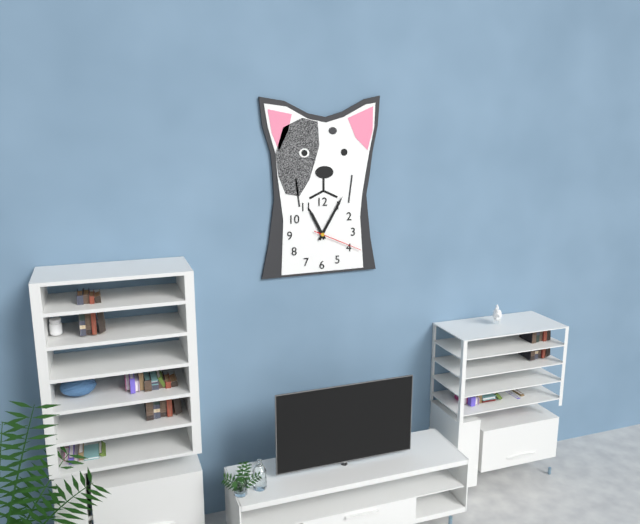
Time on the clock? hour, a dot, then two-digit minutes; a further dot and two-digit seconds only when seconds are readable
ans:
11.05.19
